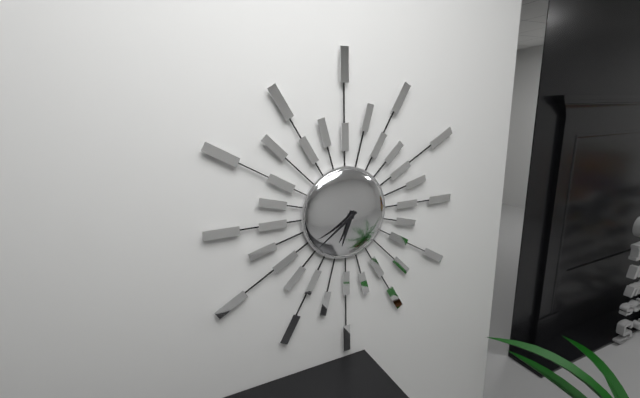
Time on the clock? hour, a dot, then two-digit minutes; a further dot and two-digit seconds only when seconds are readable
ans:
6.39
